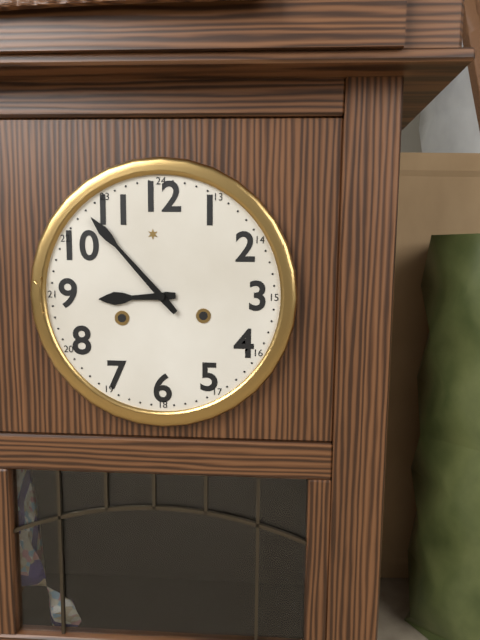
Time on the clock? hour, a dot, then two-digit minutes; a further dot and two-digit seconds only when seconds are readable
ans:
8.53
